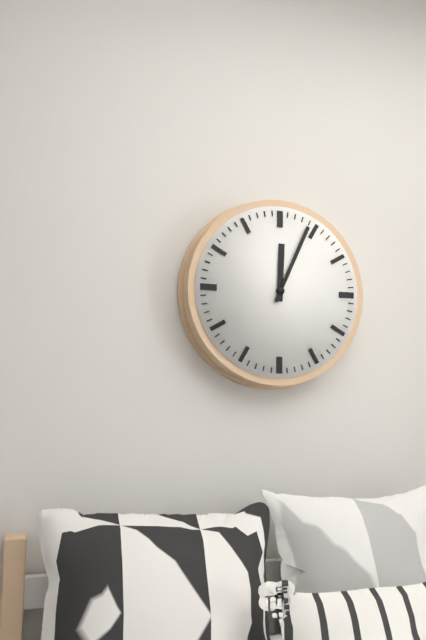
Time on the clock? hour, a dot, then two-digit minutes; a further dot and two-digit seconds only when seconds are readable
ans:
12.04
